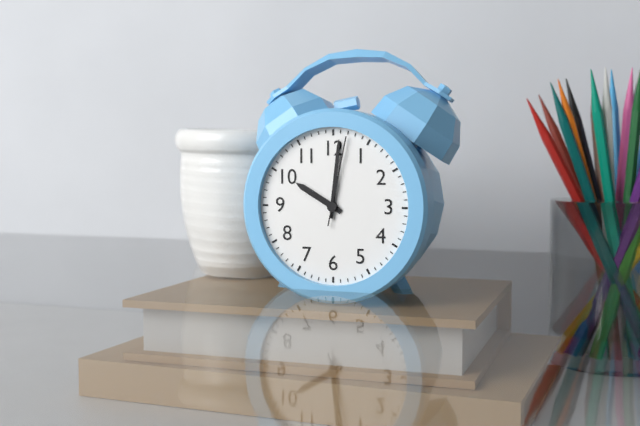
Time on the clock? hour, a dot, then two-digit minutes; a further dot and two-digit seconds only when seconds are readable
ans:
10.01.02
